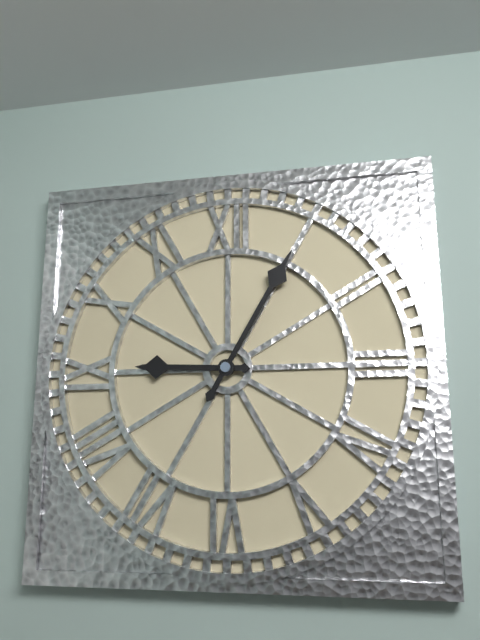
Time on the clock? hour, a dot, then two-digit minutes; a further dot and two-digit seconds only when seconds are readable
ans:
9.05
